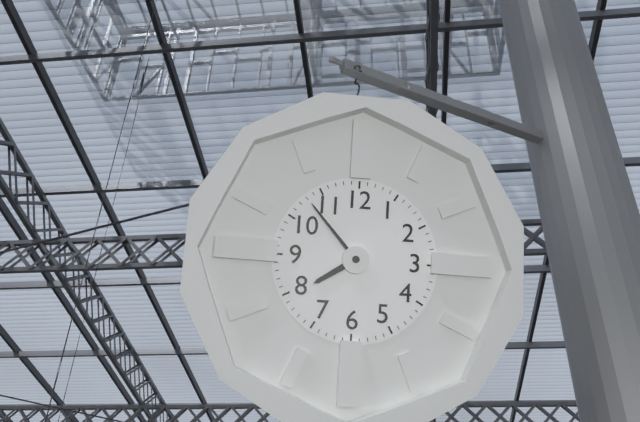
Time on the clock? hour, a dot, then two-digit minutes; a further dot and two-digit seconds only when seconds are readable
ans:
7.53
